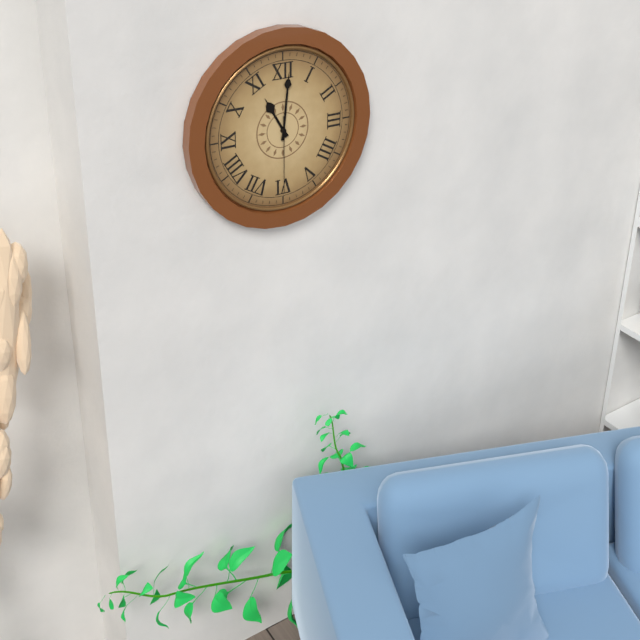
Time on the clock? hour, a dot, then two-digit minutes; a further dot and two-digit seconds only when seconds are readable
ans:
11.01.30
